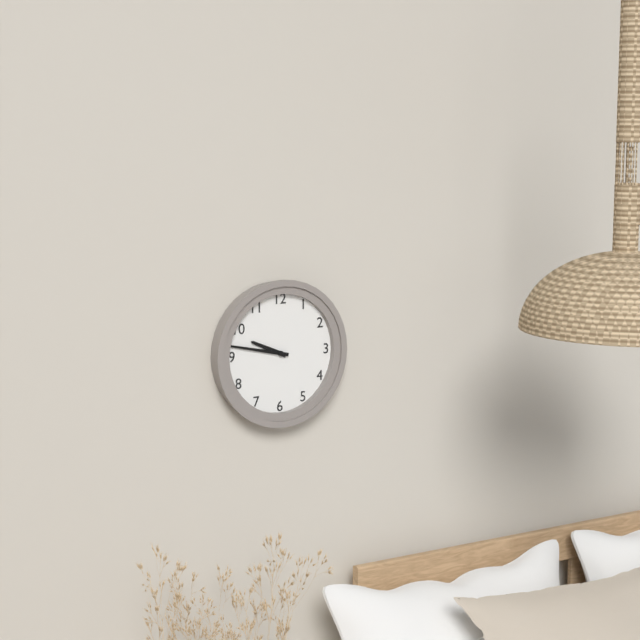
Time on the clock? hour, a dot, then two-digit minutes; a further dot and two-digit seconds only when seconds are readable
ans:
9.47
